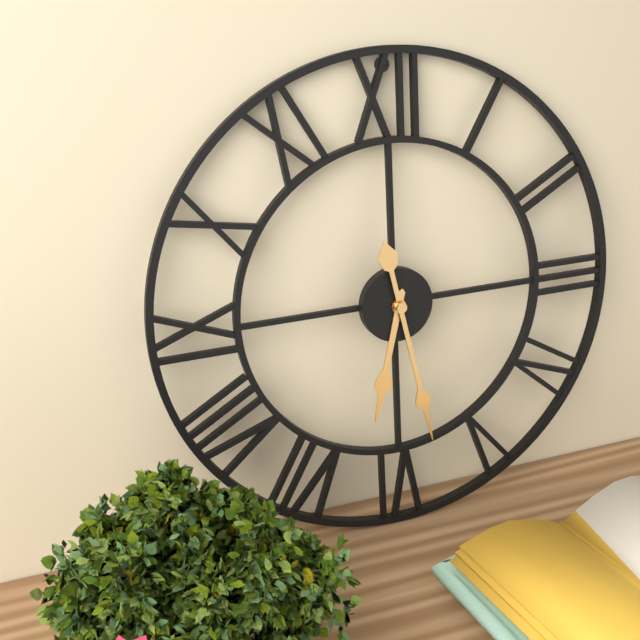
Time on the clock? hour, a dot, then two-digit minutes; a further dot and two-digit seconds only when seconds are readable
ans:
6.28
